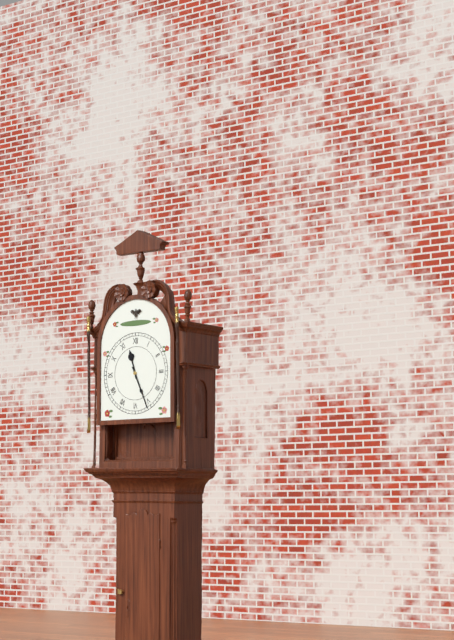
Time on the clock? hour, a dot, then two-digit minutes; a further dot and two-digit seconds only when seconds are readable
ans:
11.26
